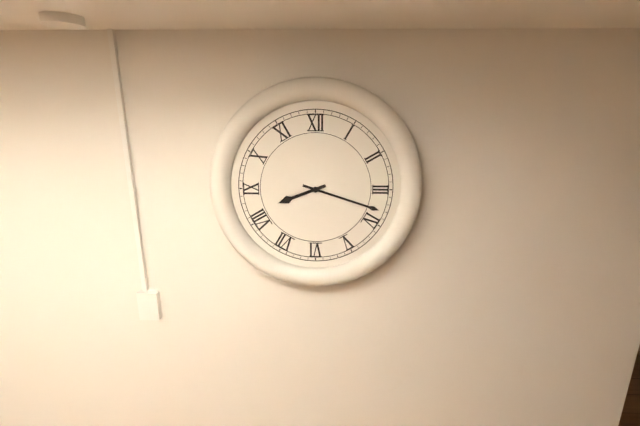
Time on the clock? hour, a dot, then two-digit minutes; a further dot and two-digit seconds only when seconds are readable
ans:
8.18
